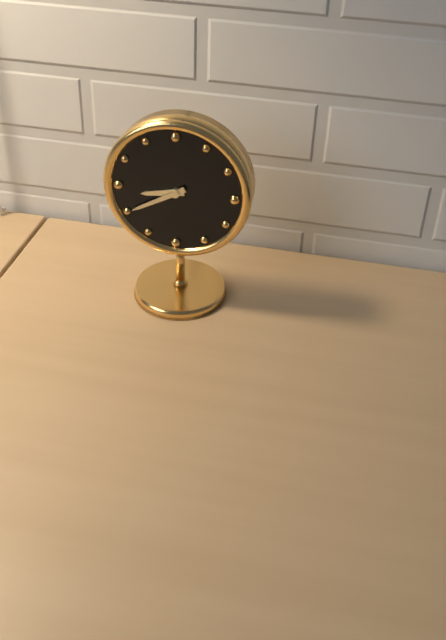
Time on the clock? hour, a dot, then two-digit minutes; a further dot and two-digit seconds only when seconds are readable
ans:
8.40
